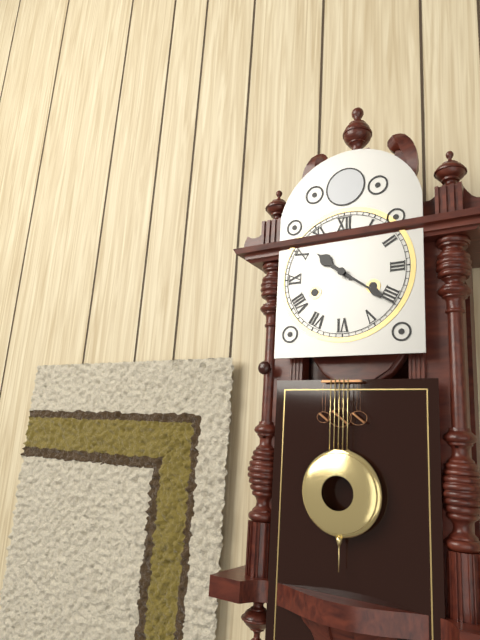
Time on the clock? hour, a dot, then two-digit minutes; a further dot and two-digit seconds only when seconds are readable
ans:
10.21
